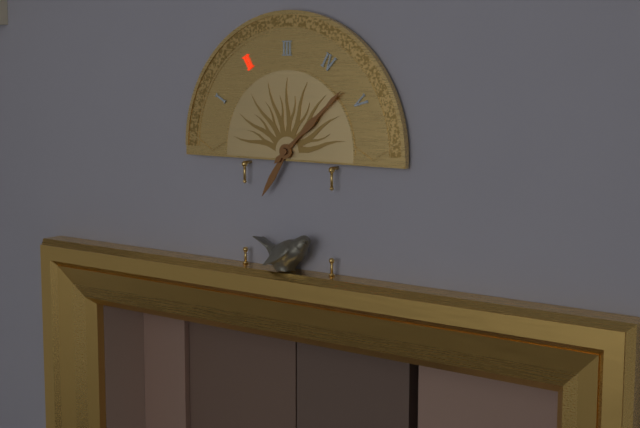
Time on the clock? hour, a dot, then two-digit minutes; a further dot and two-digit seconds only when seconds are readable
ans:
7.08
